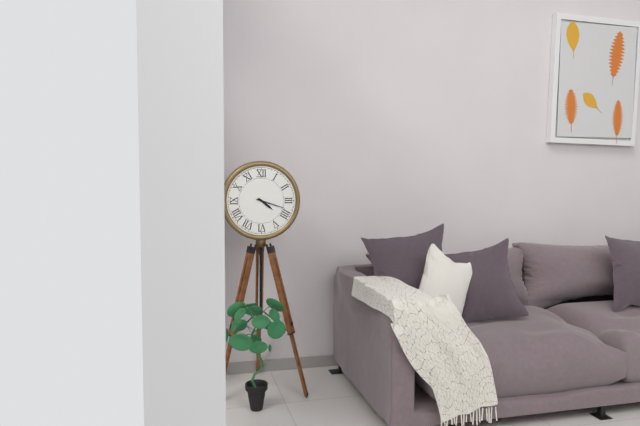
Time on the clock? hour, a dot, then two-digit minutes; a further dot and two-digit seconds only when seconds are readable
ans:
4.18
